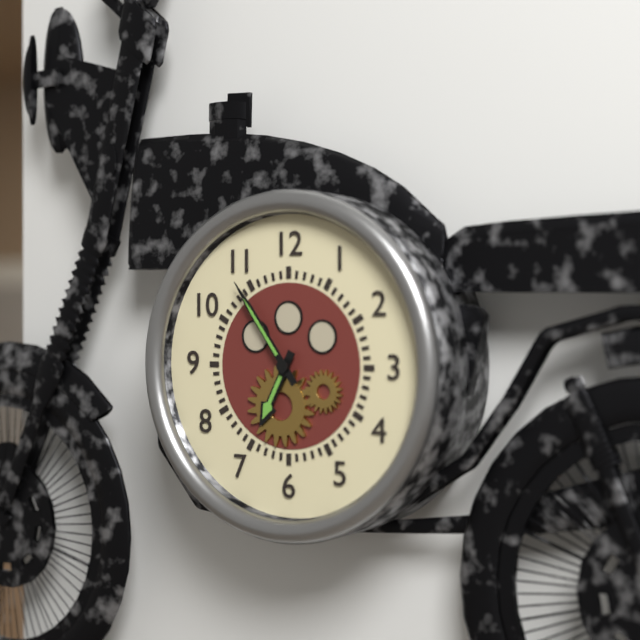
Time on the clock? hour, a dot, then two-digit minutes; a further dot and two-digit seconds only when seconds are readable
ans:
6.54
